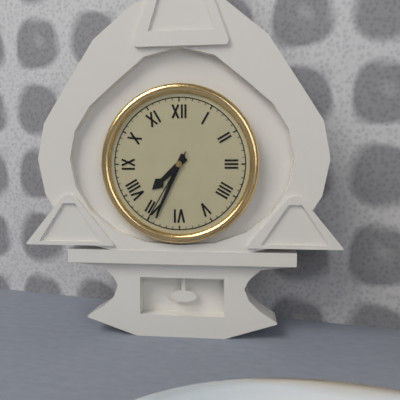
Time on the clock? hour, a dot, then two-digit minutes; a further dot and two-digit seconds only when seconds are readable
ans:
7.34.35
